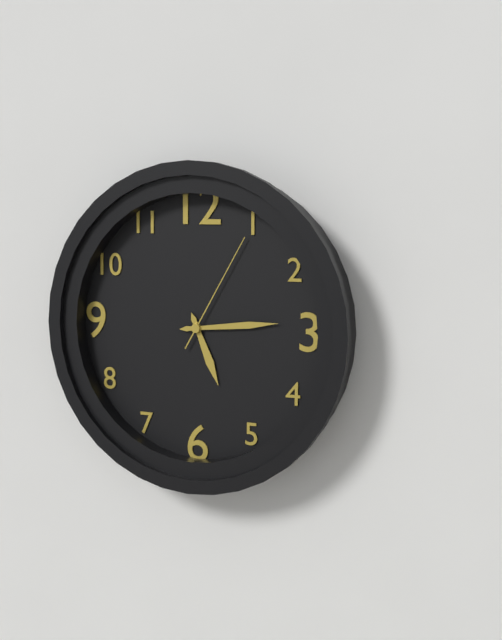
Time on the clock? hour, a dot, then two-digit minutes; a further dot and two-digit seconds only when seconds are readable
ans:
5.14.05
